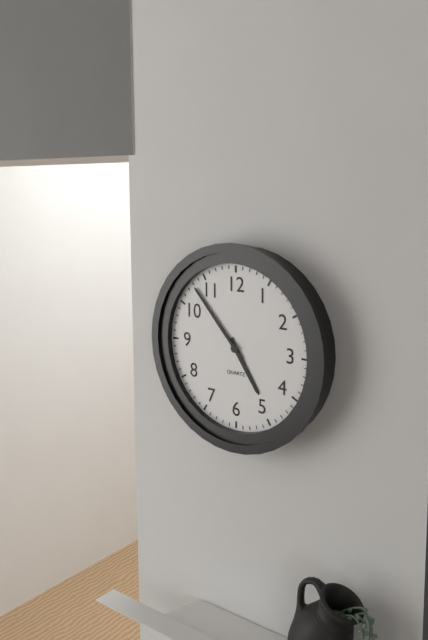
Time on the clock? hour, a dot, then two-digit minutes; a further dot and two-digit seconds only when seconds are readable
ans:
4.53
